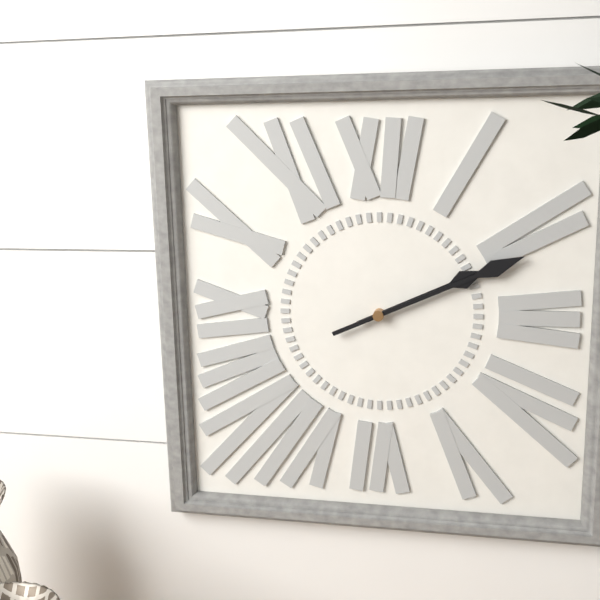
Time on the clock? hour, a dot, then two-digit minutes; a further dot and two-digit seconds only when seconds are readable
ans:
2.11
